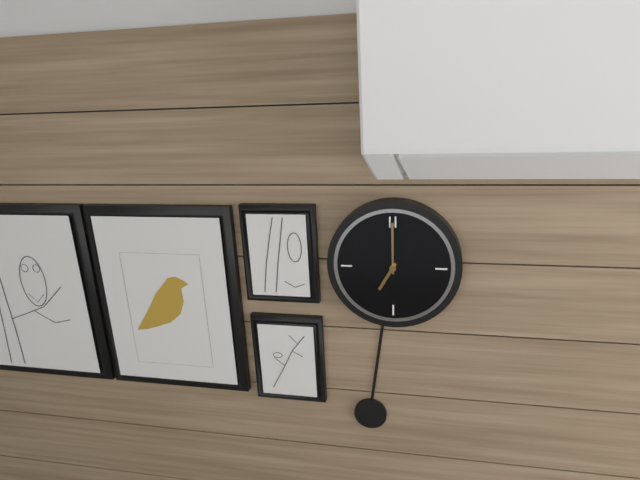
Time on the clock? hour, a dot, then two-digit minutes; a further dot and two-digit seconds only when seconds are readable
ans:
7.00
